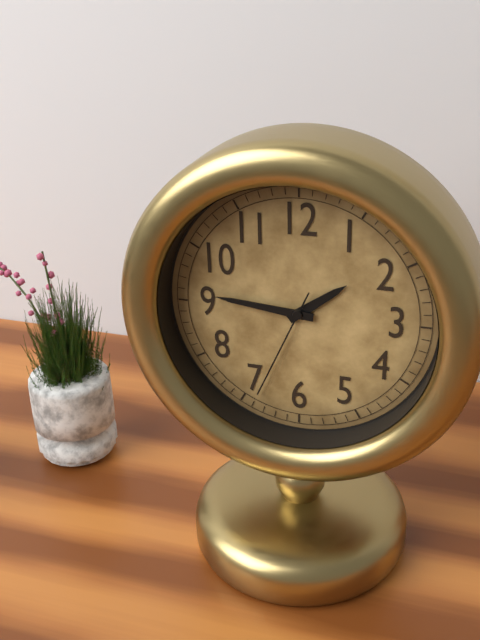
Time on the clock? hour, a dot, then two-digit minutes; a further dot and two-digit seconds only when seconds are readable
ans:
1.46.34
